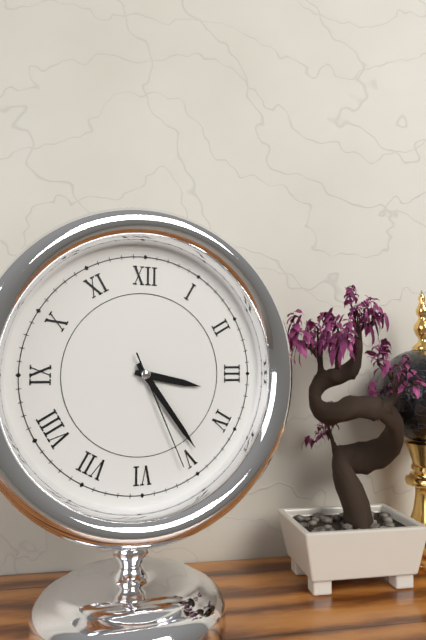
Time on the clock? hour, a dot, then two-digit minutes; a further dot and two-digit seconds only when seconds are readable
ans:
3.24.26
